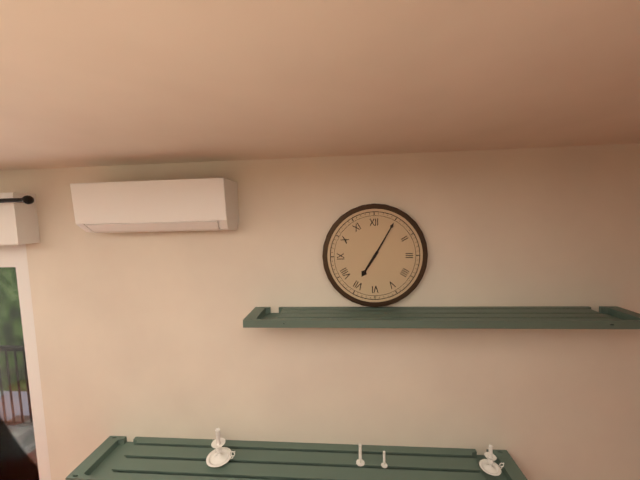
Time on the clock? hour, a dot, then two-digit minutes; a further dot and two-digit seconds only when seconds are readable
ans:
7.05
